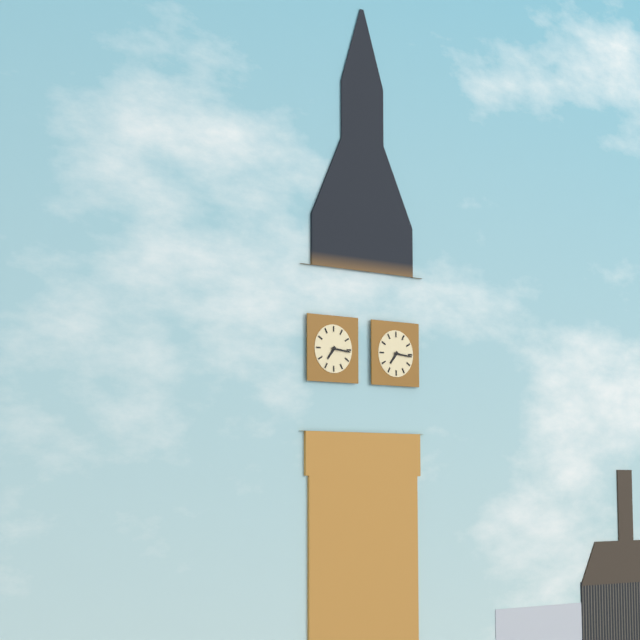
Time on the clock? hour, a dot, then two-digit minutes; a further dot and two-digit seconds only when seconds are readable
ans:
7.16
